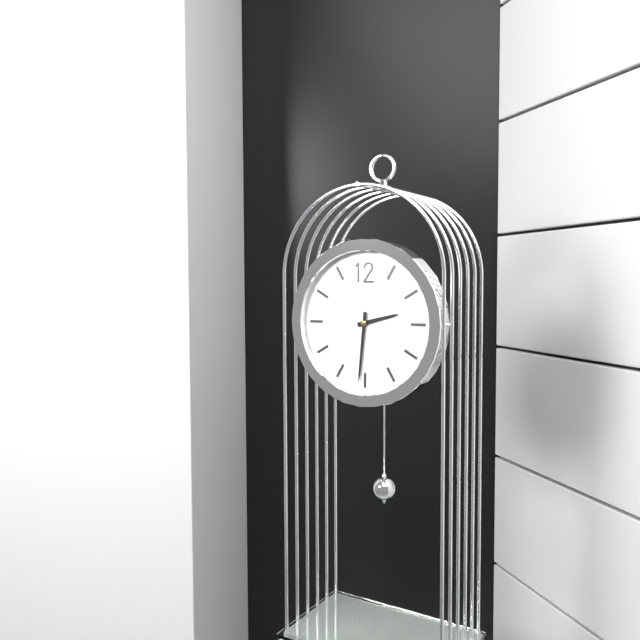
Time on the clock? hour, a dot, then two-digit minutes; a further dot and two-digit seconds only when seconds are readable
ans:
2.31
